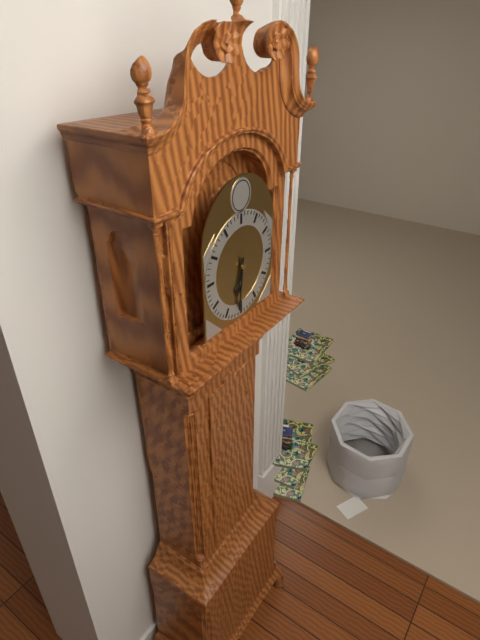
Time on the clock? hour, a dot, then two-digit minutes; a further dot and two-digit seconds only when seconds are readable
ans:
6.31
